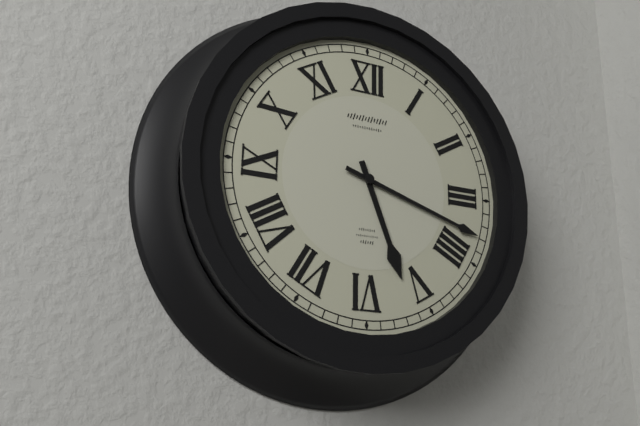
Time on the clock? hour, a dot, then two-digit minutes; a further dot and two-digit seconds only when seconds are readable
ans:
5.18
